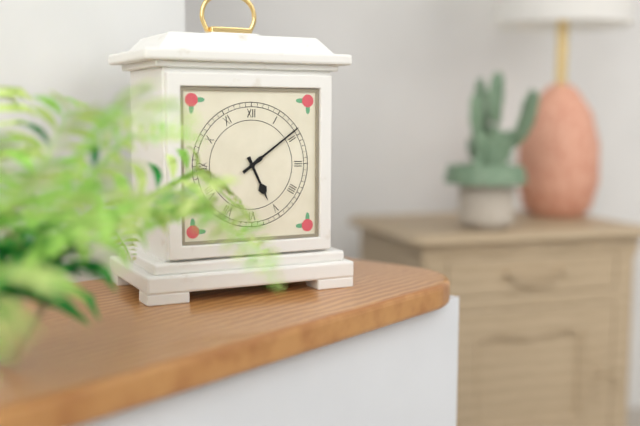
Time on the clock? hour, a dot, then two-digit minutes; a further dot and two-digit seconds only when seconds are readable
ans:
5.09
